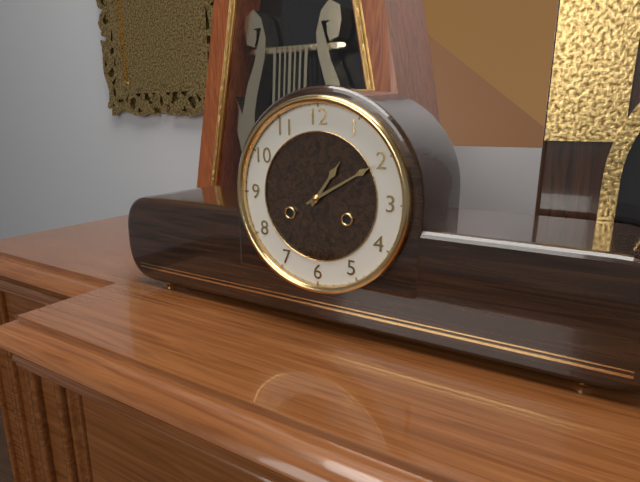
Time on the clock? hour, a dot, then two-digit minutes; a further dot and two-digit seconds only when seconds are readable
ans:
1.10
